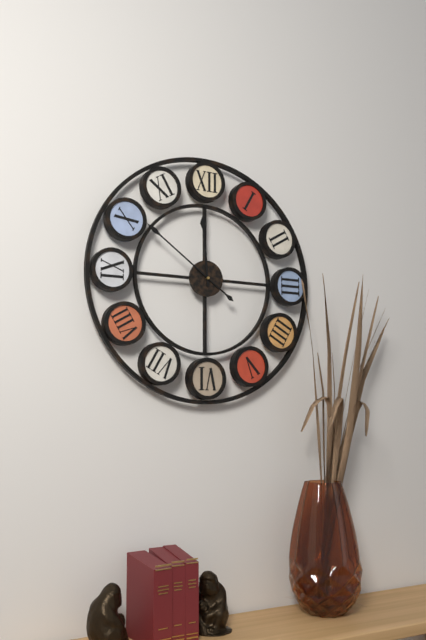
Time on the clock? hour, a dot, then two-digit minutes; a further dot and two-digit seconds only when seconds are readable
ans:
11.51
